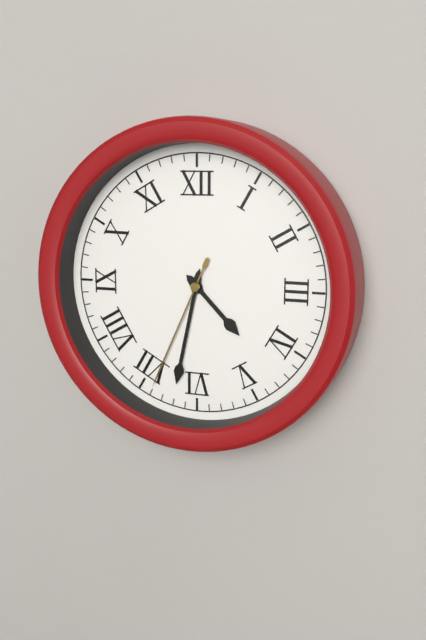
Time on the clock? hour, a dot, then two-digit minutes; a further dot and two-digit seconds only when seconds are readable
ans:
4.32.34
